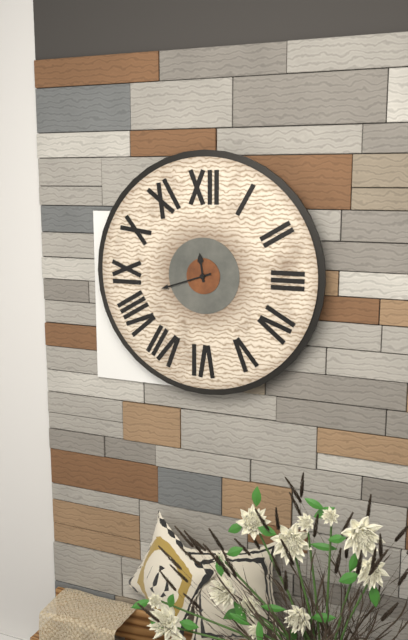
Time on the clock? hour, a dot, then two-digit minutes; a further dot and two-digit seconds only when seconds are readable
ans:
11.42
